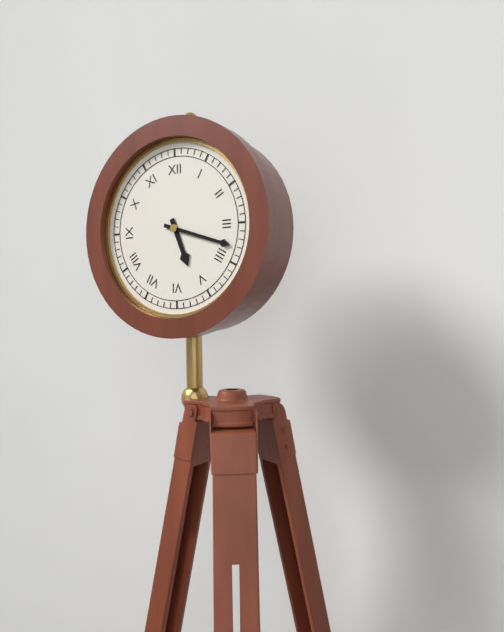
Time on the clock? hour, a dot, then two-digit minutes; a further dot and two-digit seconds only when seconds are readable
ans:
5.18
